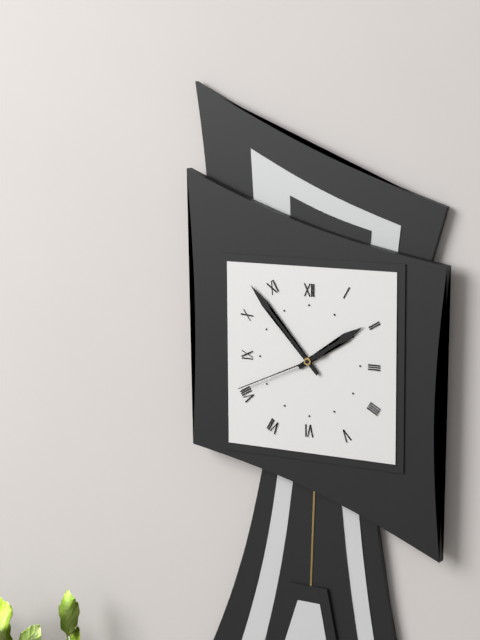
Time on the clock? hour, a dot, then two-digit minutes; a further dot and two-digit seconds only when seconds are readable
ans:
1.53.41
